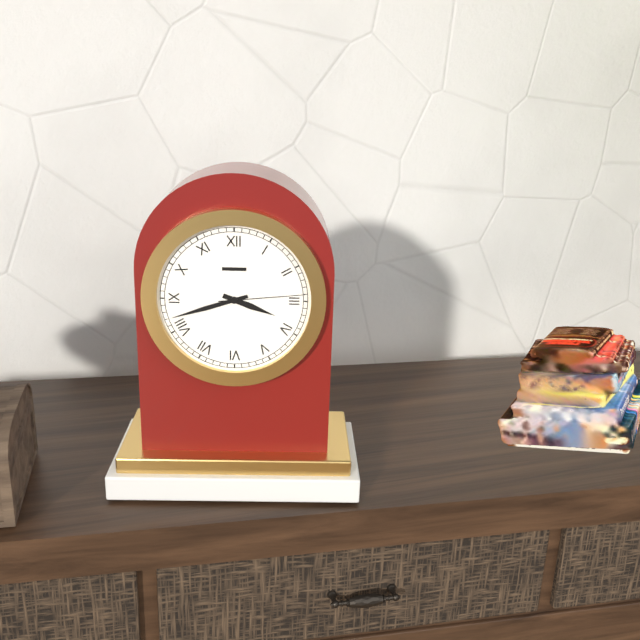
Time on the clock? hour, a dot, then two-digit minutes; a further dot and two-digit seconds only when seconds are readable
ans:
3.42.14
